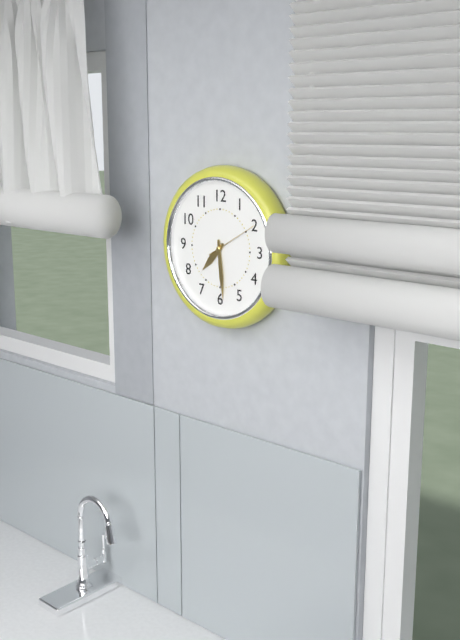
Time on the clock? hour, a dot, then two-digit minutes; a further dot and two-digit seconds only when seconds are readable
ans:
7.29.10
